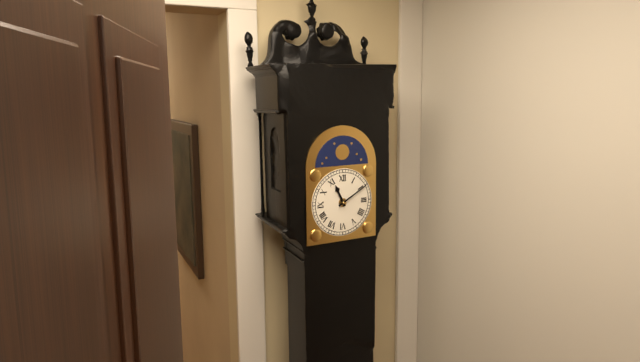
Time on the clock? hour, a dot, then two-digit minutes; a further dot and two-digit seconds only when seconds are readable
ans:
11.10
